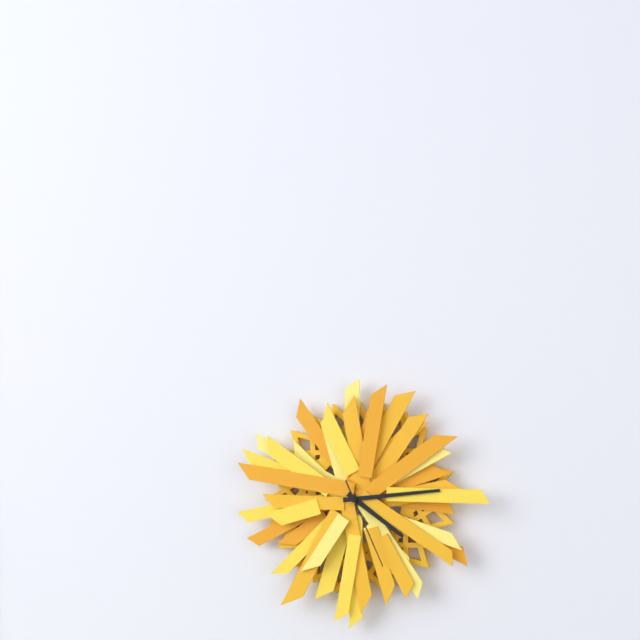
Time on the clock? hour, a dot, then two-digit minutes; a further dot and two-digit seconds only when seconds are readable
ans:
4.14.26
